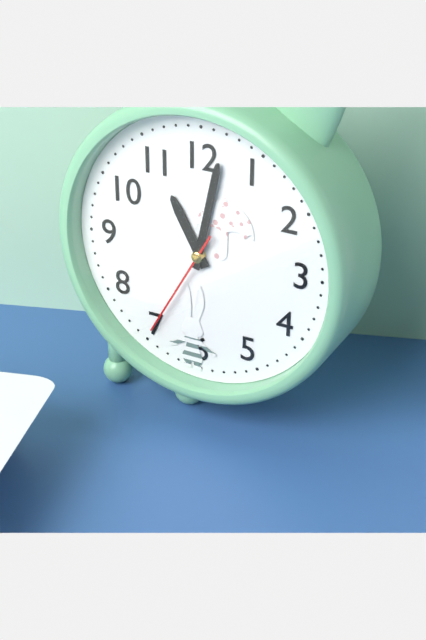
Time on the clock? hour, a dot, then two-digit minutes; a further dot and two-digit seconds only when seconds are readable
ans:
11.02.35
